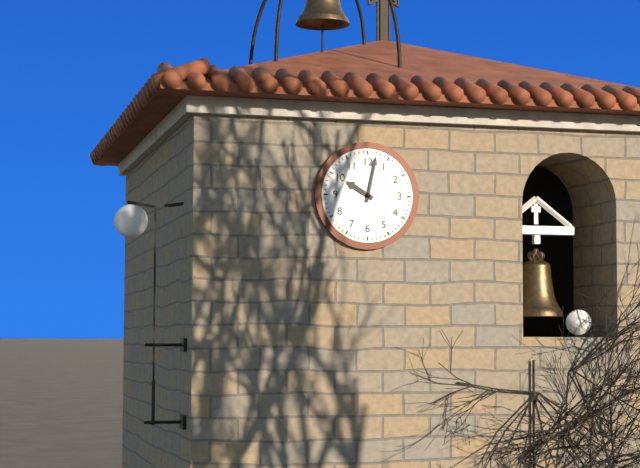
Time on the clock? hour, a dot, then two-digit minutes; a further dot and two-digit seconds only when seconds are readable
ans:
10.02
